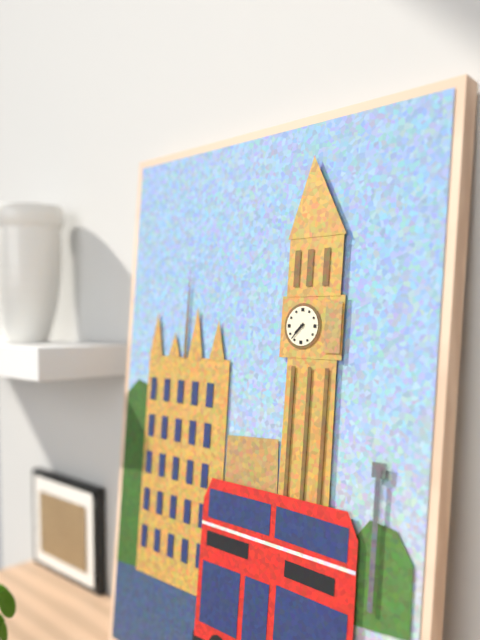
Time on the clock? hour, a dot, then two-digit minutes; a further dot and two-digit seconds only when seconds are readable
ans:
7.37
